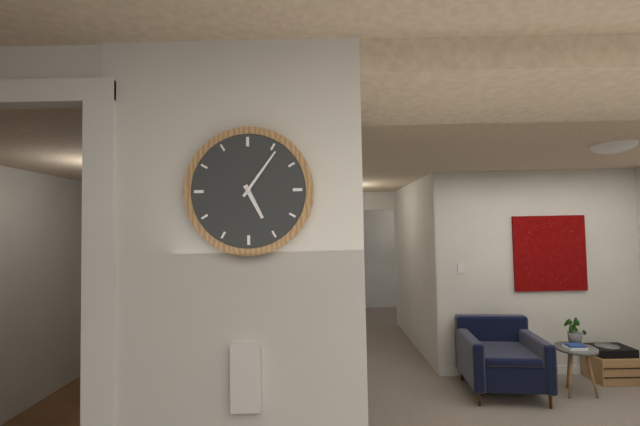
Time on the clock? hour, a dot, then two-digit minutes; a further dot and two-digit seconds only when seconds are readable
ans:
5.06
